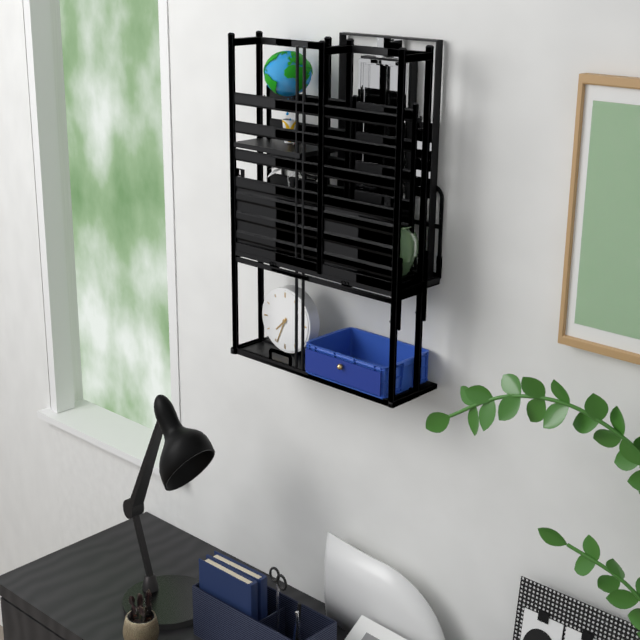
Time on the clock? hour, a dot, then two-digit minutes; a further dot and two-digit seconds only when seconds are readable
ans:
7.34
